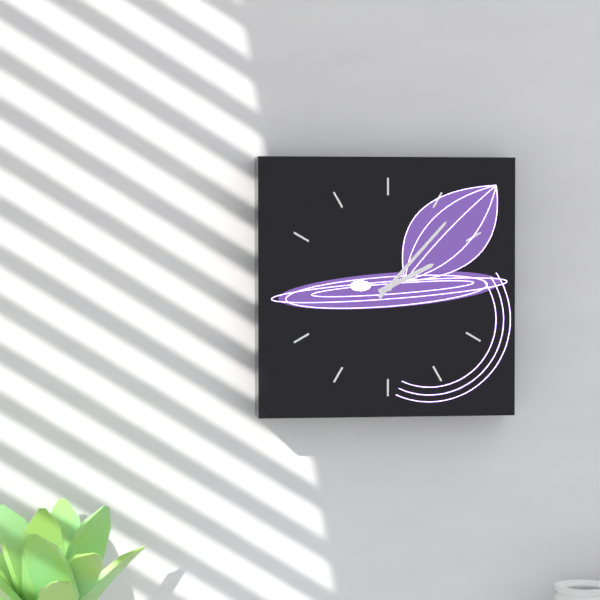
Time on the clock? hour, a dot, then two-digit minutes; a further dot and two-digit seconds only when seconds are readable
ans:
2.07
